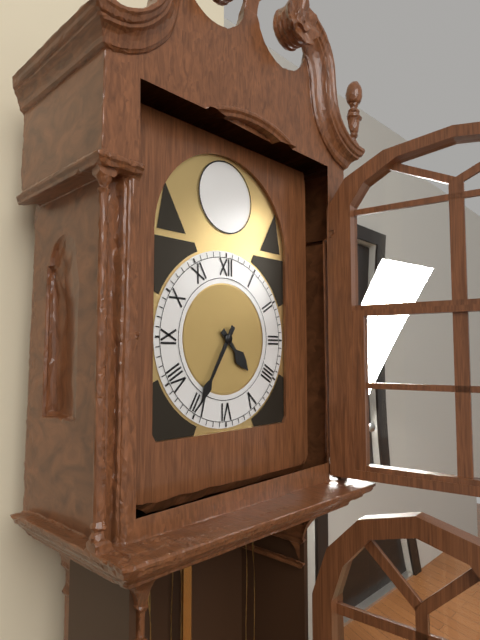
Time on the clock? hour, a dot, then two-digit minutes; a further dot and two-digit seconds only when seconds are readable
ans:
4.35
